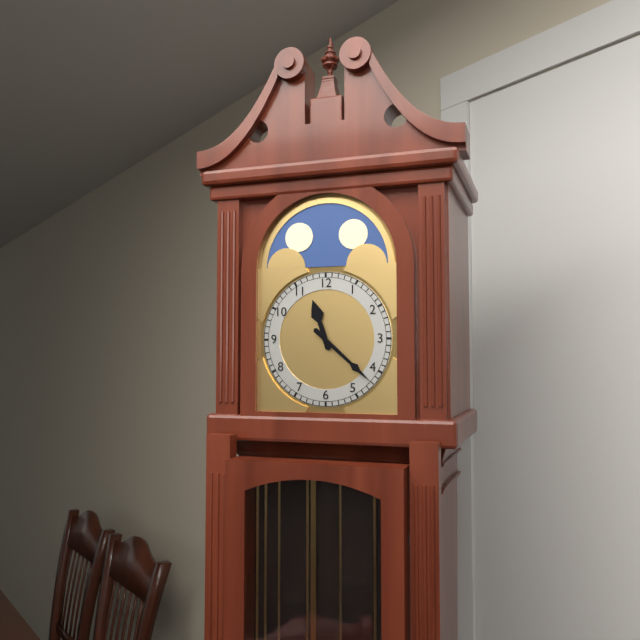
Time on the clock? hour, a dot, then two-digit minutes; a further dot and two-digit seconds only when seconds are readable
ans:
11.22
